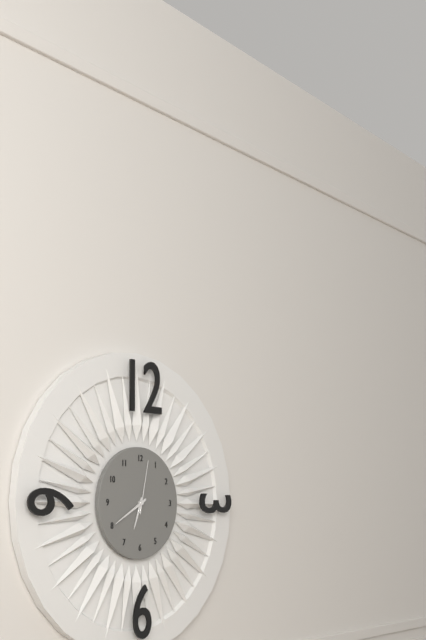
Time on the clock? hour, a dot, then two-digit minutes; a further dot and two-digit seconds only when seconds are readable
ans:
6.40.02
